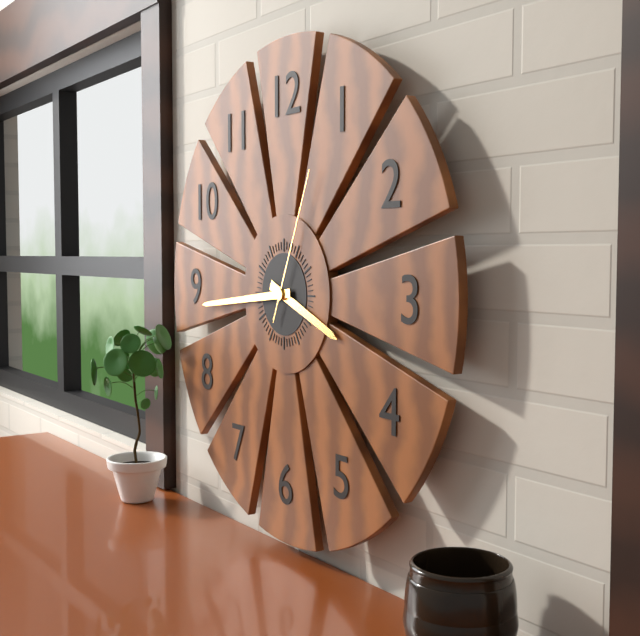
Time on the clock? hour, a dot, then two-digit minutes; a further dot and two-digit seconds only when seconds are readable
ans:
3.44.04
